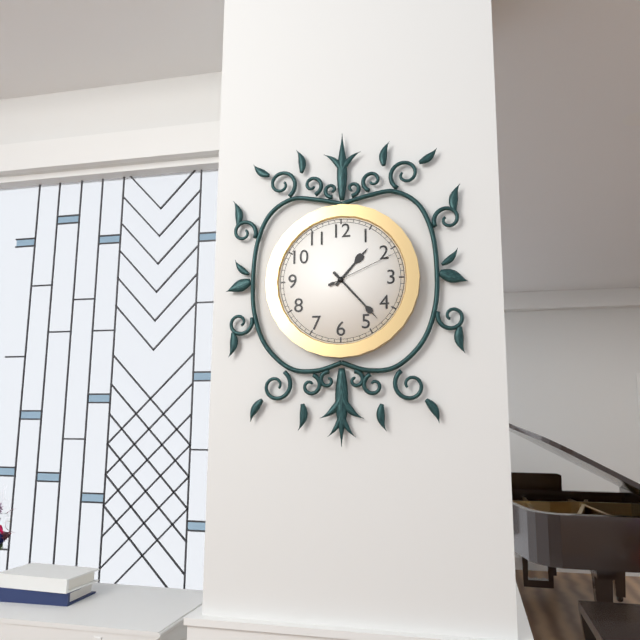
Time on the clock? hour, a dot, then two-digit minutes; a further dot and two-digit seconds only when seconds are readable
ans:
1.23.11
